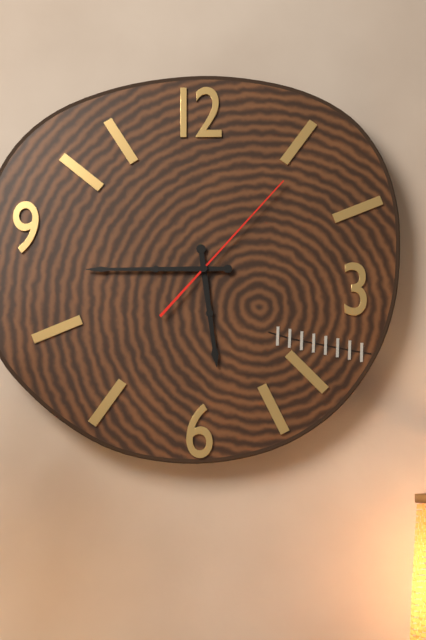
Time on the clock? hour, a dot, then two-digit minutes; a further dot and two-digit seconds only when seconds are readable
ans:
5.45.07
